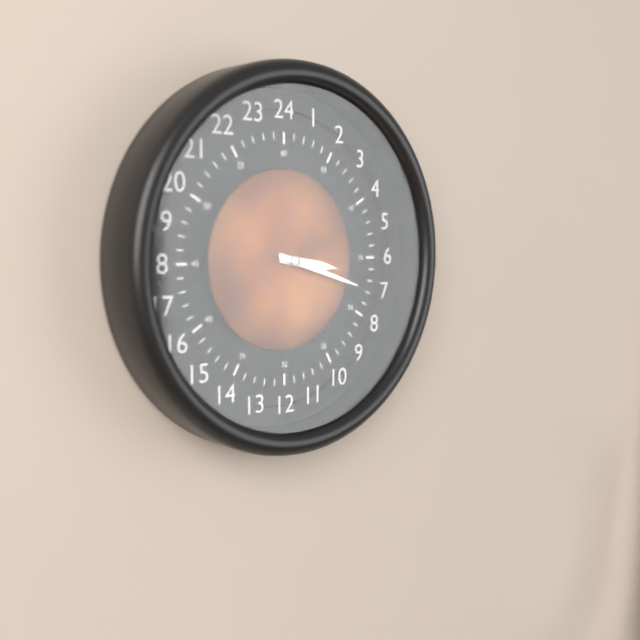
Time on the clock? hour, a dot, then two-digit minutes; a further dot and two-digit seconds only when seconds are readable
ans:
3.18
